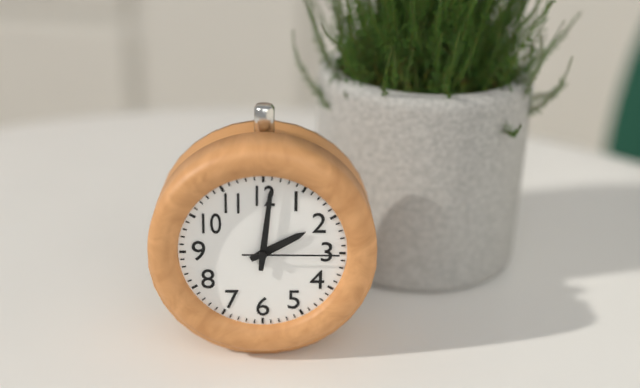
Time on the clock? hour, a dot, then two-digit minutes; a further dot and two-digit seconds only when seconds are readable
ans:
2.01.15
